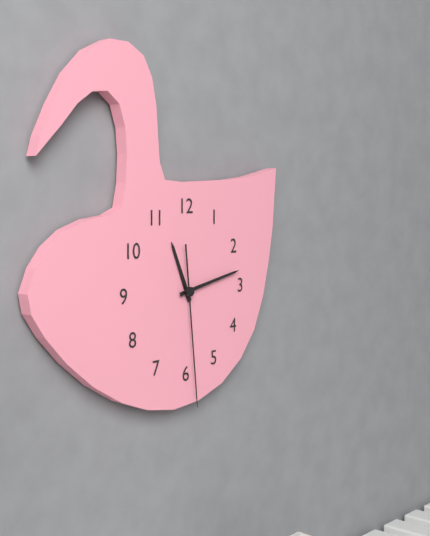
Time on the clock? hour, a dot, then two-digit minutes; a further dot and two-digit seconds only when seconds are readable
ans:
11.13.29
